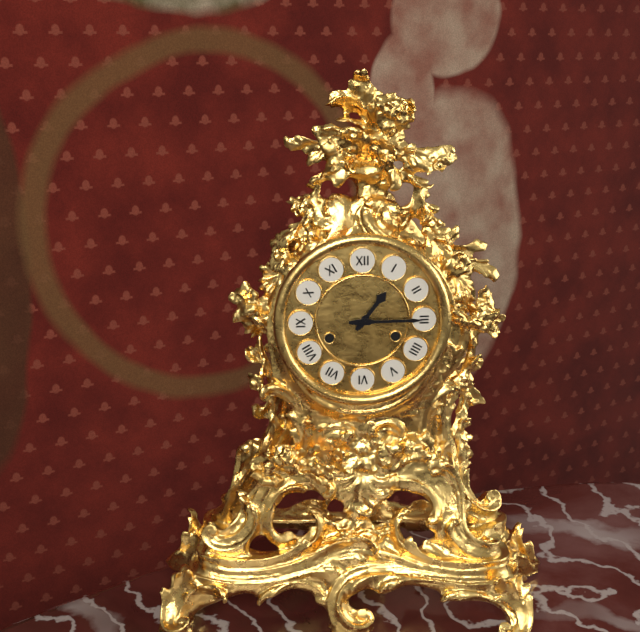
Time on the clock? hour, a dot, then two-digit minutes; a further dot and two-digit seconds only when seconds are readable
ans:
1.15
